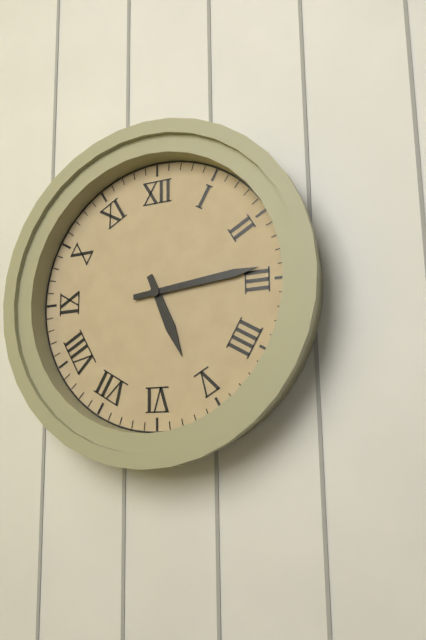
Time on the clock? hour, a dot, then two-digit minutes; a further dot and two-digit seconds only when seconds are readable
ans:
5.14
